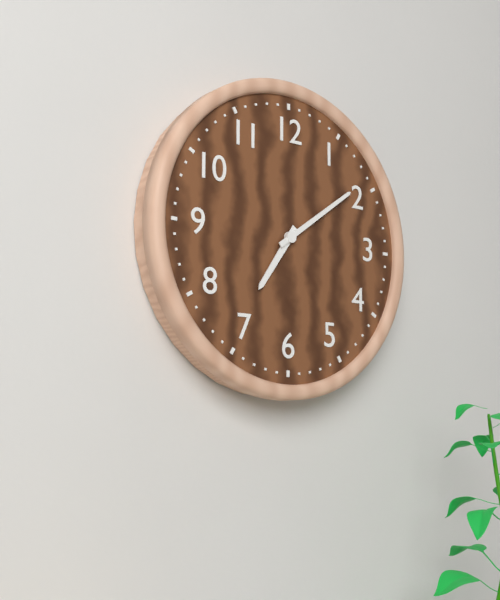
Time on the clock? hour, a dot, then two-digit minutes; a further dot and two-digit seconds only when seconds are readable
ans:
7.09
